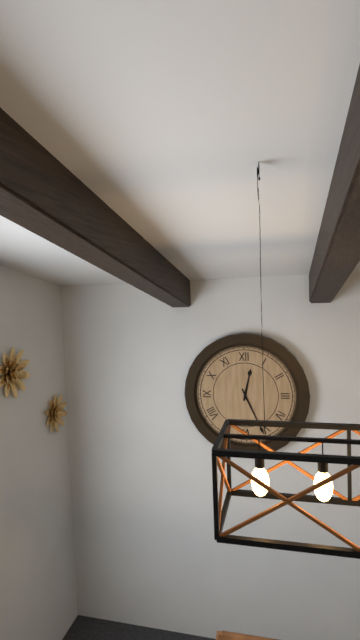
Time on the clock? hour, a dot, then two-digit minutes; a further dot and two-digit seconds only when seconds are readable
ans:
12.26
